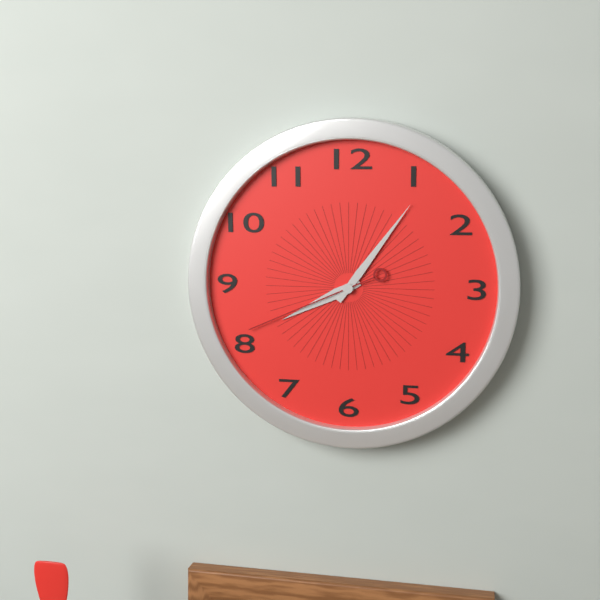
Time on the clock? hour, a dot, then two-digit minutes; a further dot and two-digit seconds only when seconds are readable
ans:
8.06.41
